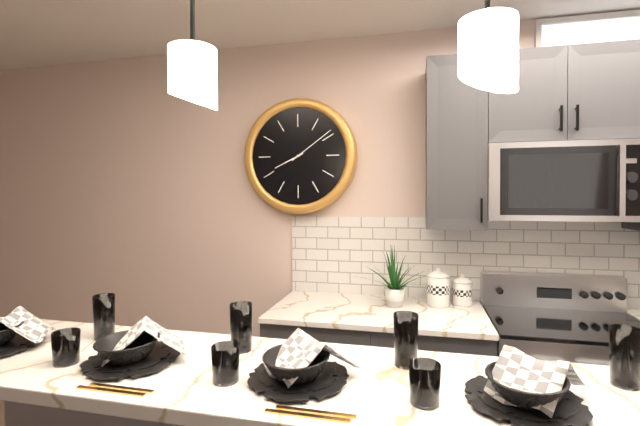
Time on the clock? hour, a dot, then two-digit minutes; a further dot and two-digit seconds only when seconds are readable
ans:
8.09
